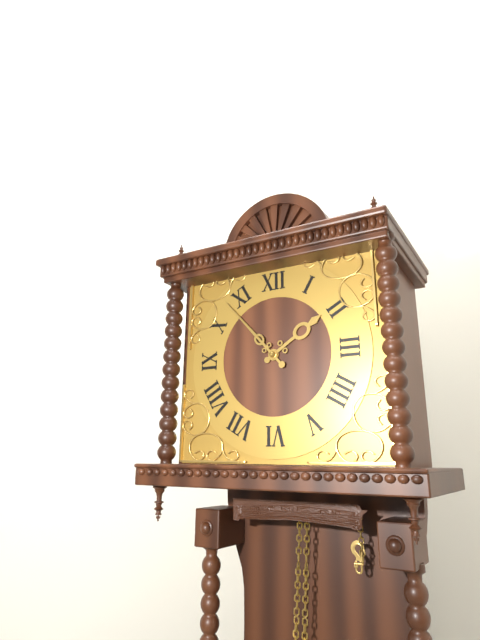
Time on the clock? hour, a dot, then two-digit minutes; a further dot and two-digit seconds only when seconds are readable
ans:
1.53
